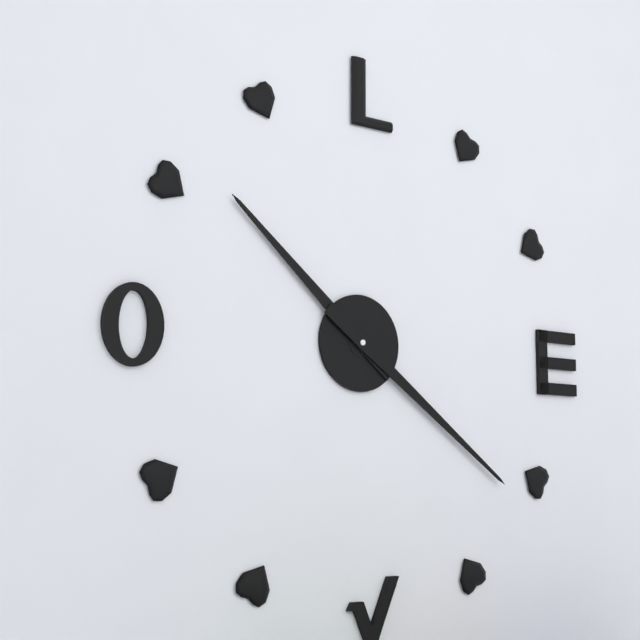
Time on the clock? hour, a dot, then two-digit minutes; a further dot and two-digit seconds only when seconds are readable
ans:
10.21
